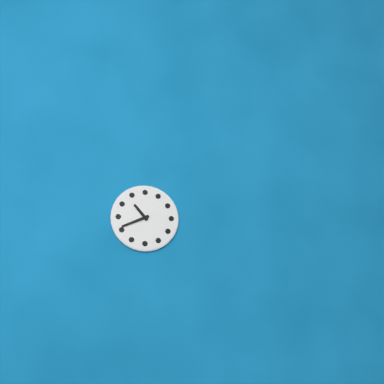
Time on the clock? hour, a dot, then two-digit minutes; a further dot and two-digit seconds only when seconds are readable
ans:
10.41
